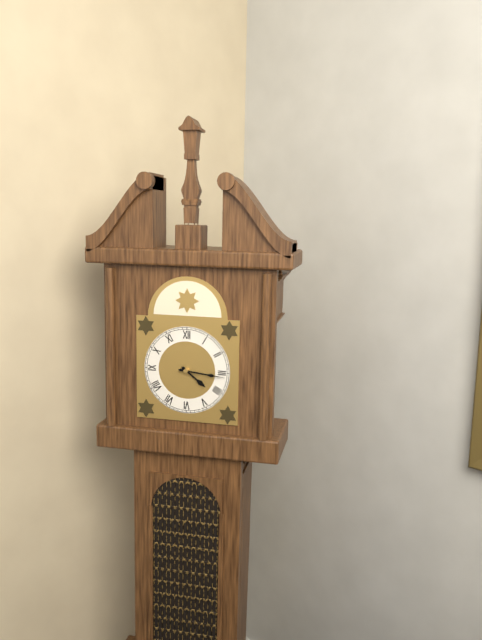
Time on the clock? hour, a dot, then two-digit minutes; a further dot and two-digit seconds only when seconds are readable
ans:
4.16
